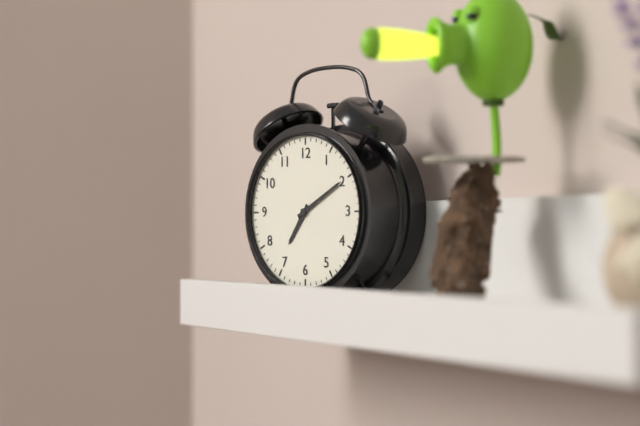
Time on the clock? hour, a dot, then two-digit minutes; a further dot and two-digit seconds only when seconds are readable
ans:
7.10
